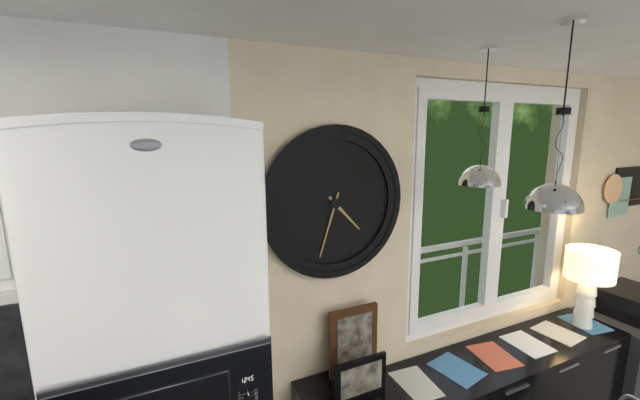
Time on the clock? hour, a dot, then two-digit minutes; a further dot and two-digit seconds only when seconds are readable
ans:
4.33
